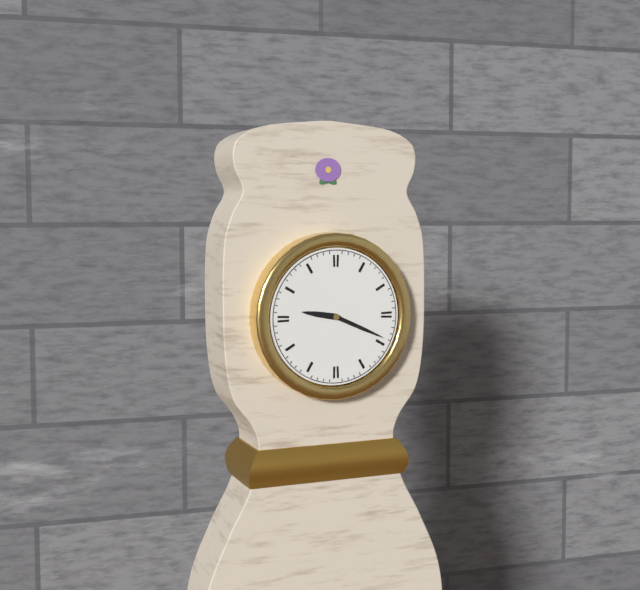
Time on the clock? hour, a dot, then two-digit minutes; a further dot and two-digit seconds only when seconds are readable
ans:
9.19
